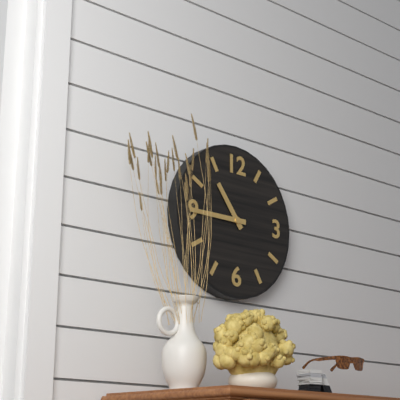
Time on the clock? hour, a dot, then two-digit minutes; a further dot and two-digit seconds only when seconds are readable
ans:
10.45
